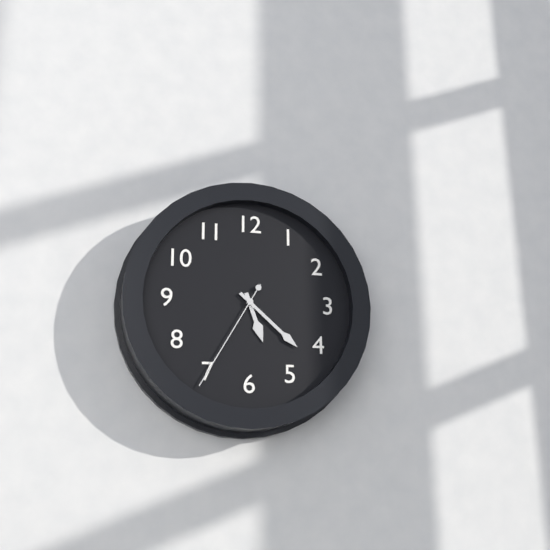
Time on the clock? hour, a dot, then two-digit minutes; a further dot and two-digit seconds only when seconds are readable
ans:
5.22.35
